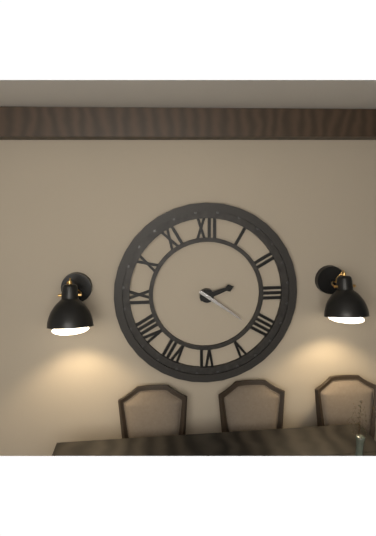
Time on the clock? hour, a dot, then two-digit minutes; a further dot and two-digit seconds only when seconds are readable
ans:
2.21
